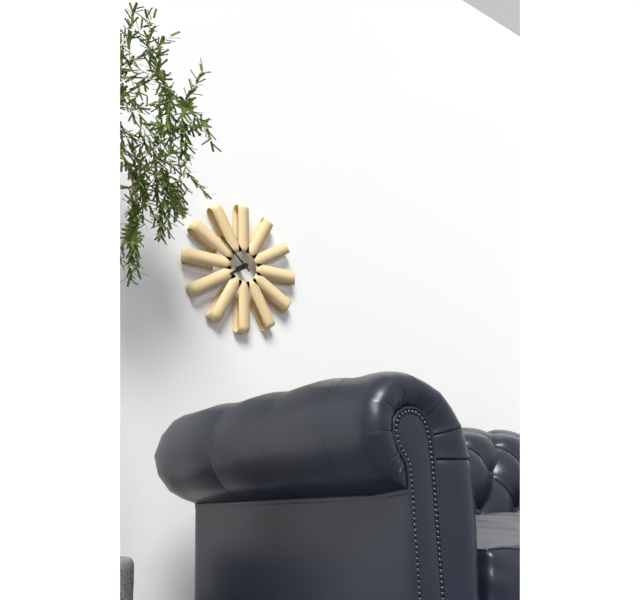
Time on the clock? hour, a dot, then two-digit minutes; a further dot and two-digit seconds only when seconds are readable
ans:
7.52
